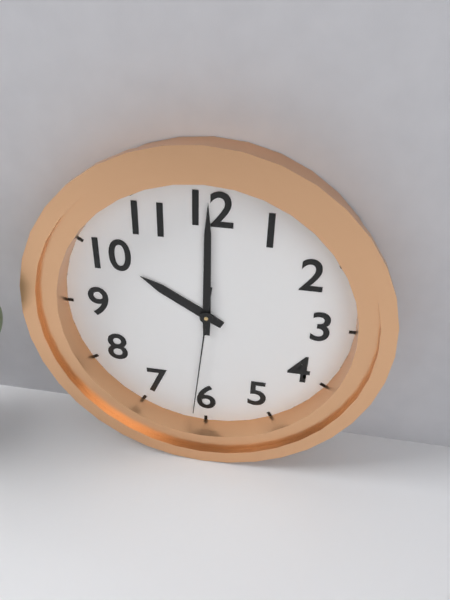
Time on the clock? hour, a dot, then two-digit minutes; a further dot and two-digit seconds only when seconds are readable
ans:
10.00.31
